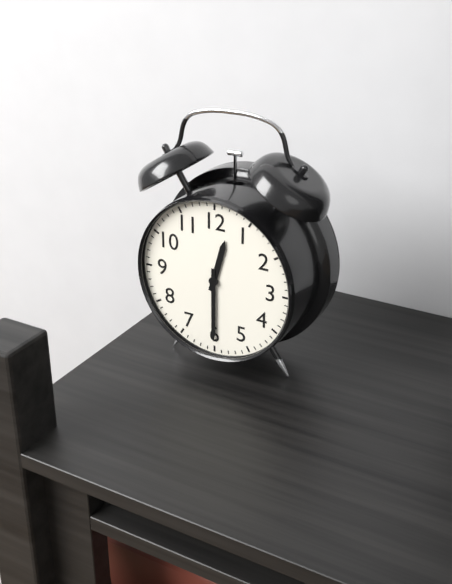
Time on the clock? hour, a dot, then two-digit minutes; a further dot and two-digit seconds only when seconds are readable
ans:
12.30
